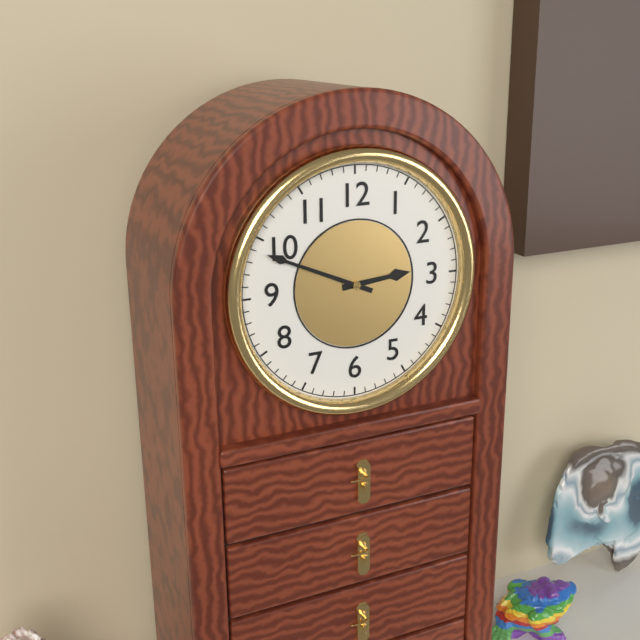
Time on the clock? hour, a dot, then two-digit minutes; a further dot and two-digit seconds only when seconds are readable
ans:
2.49
